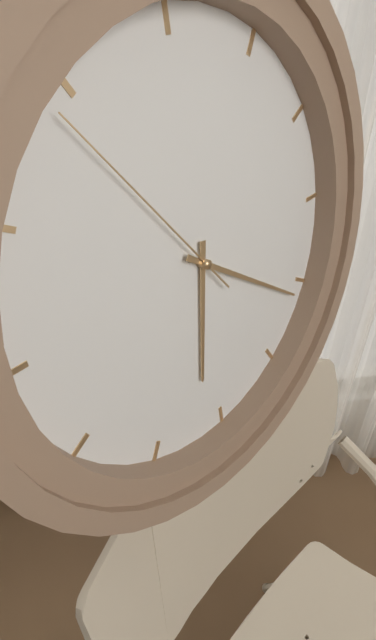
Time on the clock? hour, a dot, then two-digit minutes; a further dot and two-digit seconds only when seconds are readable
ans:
6.21.54
